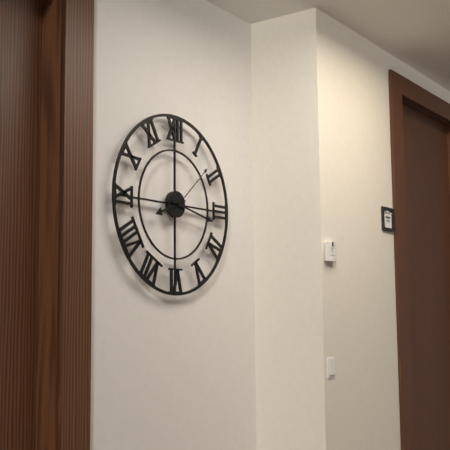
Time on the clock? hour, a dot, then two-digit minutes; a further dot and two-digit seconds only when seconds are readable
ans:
8.17.08
